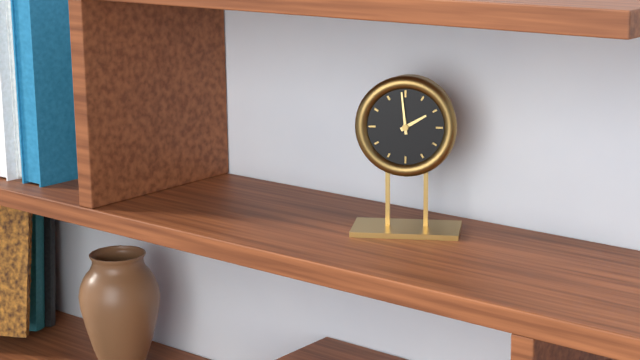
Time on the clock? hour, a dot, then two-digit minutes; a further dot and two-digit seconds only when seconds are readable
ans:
1.59
